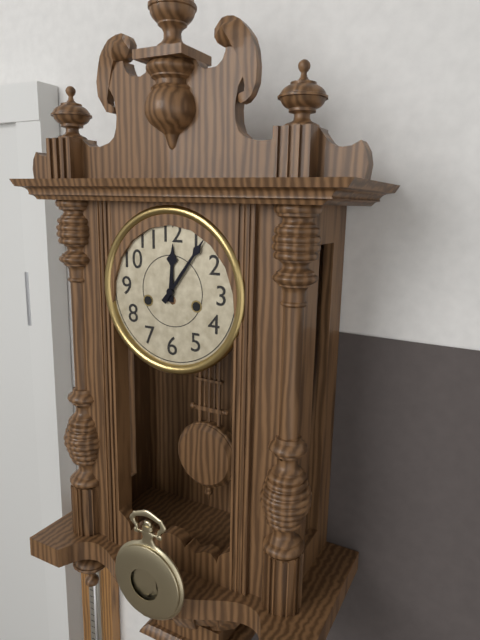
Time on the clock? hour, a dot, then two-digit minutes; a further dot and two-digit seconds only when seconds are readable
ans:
12.06
